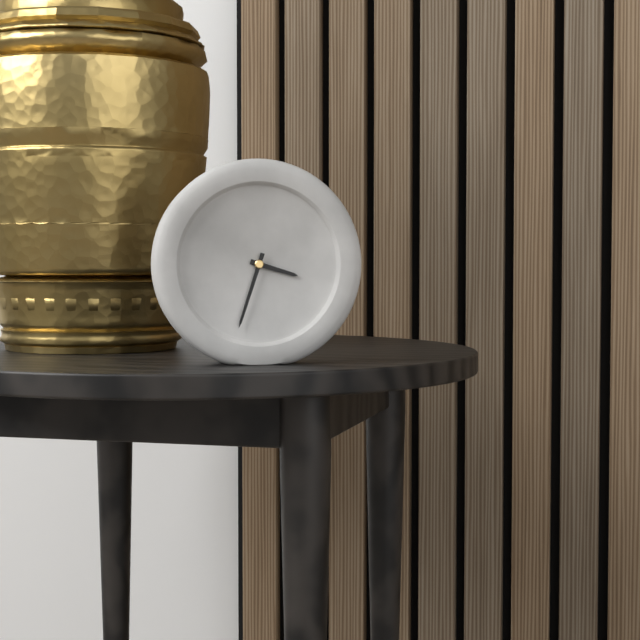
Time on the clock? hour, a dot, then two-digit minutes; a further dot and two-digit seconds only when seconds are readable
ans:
3.33
